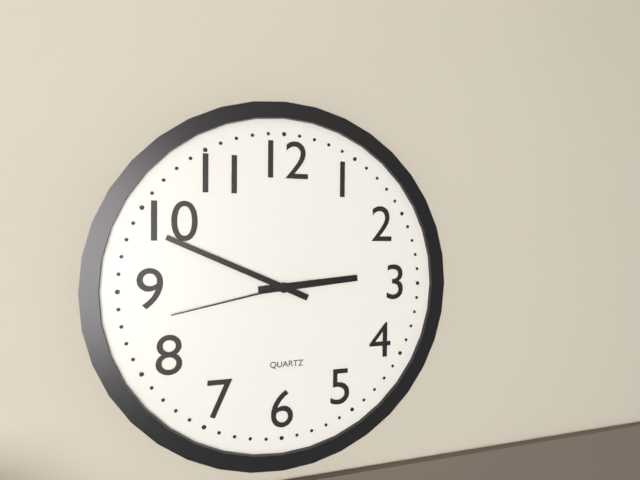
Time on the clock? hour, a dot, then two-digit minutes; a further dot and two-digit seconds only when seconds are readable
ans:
2.49.43
